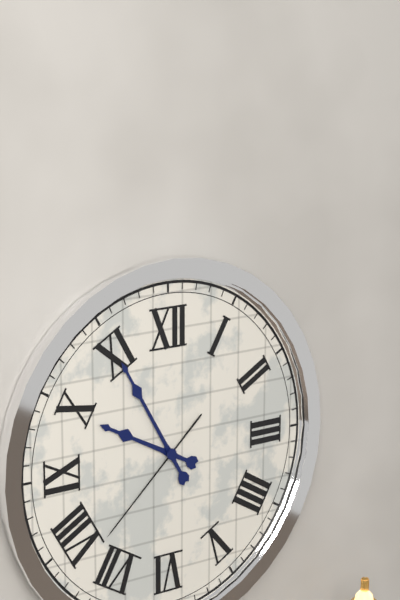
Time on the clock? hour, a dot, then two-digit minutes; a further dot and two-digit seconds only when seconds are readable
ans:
9.55.38
